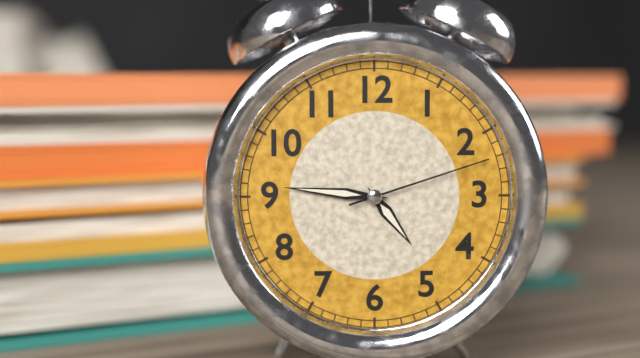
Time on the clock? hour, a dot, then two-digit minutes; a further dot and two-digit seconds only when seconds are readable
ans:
4.46.12
